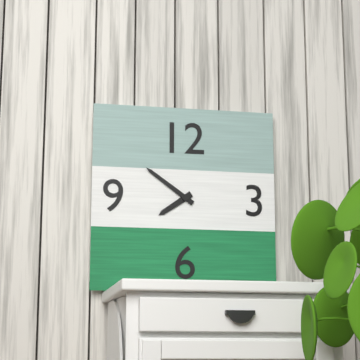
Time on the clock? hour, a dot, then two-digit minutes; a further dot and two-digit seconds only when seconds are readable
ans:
7.51
